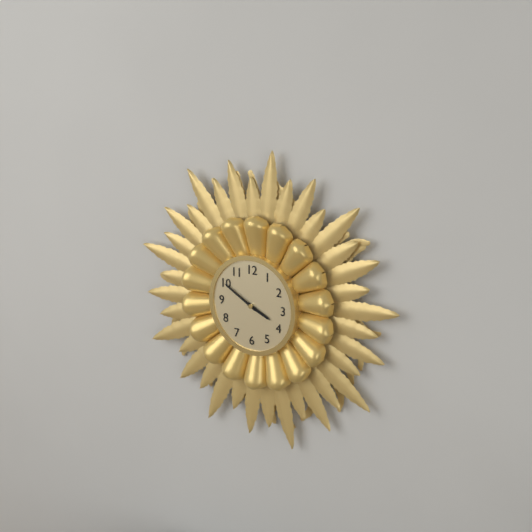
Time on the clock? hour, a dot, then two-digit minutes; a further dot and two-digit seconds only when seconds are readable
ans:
3.50
